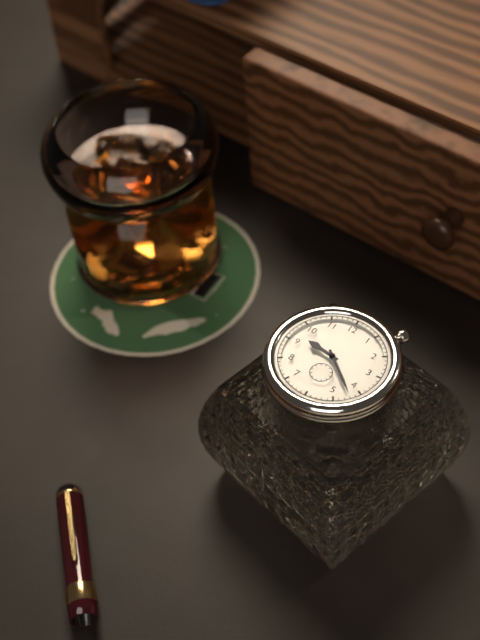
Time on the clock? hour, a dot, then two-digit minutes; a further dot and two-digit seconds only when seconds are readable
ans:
9.22
